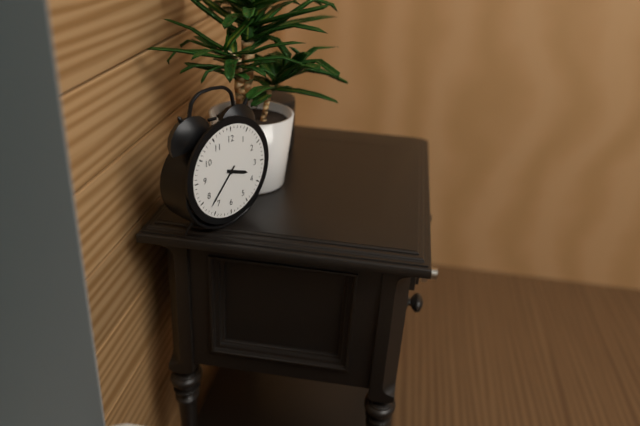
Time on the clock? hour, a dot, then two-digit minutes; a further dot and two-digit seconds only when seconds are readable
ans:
3.37
